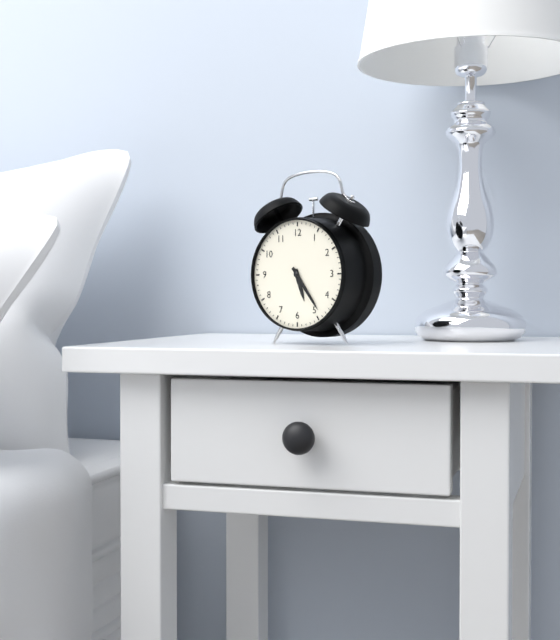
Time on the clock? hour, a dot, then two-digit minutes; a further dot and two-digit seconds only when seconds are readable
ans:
5.24
